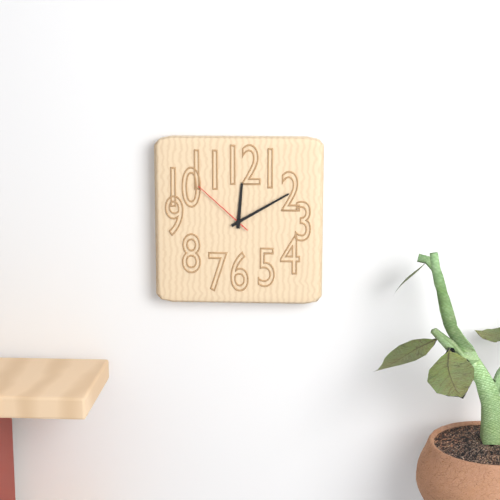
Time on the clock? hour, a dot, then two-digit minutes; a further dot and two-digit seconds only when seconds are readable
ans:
12.10.52
